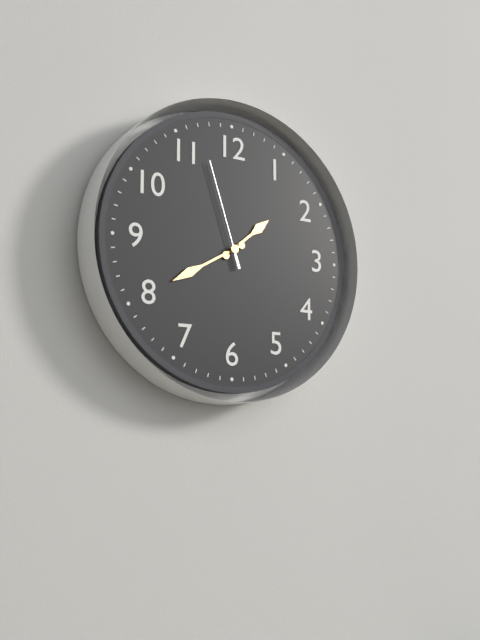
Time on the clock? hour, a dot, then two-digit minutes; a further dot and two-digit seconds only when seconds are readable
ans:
1.40.57
